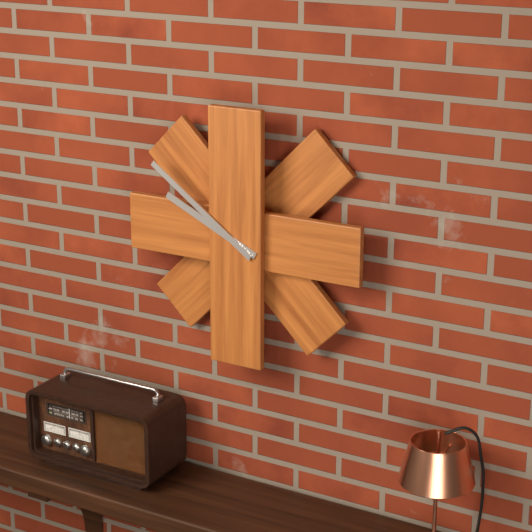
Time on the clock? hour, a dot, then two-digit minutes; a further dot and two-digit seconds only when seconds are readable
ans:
9.51
